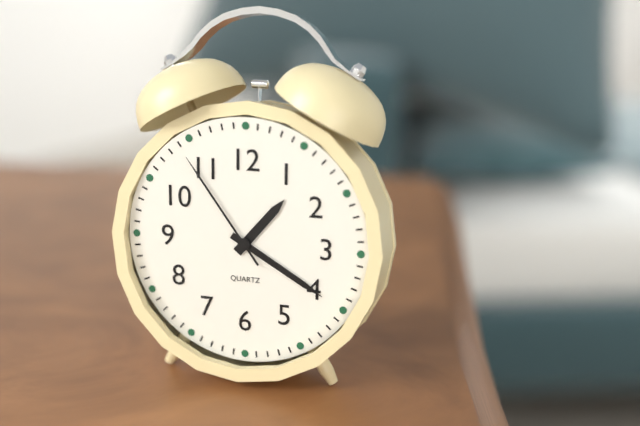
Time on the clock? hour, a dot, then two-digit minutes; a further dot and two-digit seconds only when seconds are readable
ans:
1.20.54
